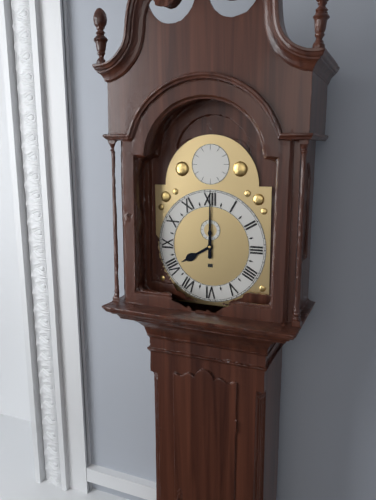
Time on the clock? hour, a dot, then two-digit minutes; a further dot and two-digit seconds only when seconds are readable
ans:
8.00
